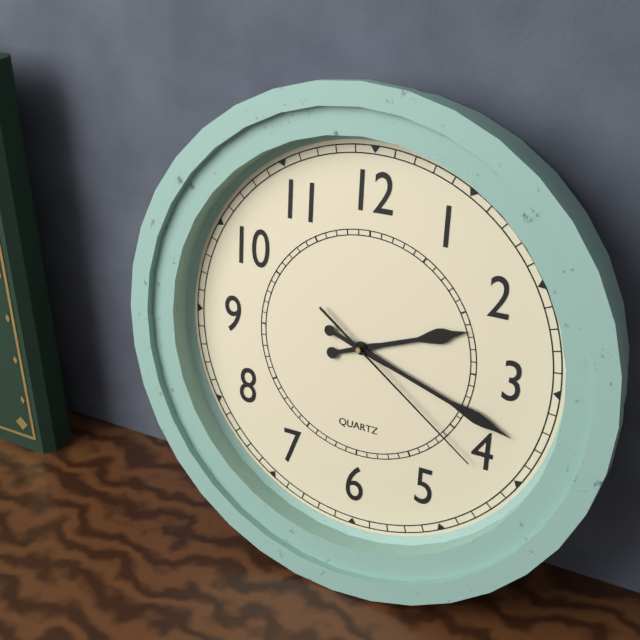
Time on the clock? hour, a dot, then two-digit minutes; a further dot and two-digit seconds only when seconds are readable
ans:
2.18.21
